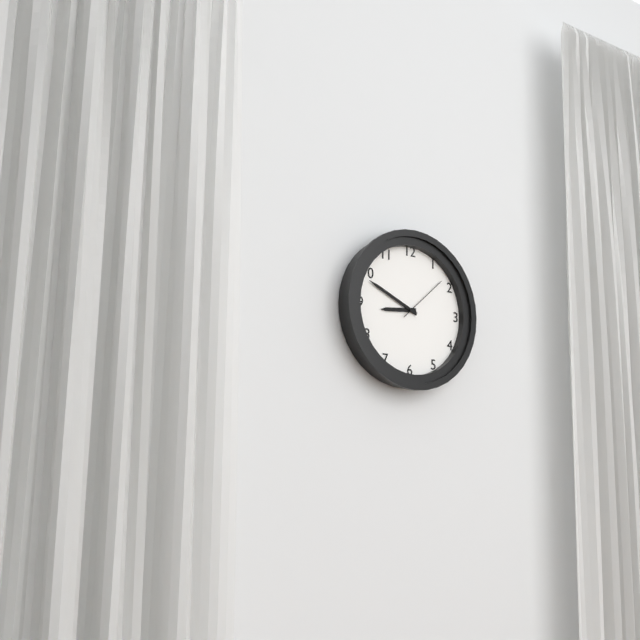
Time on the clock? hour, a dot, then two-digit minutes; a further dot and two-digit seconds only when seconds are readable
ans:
8.49.08
